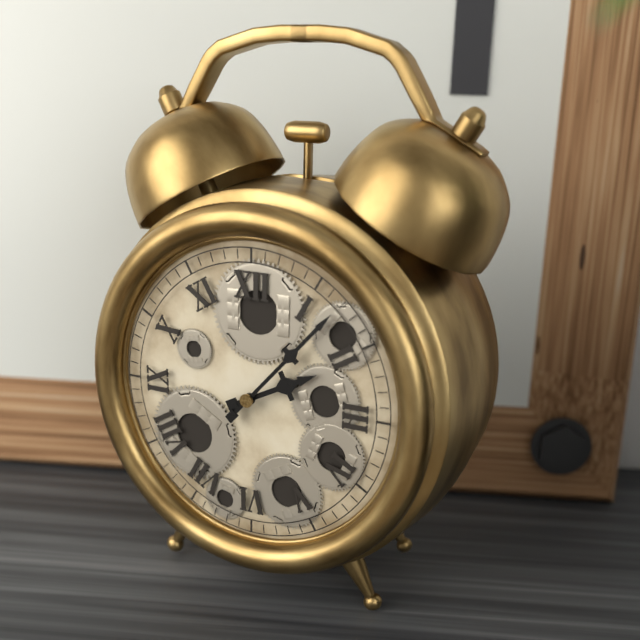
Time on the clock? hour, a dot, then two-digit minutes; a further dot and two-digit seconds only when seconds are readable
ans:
2.07
